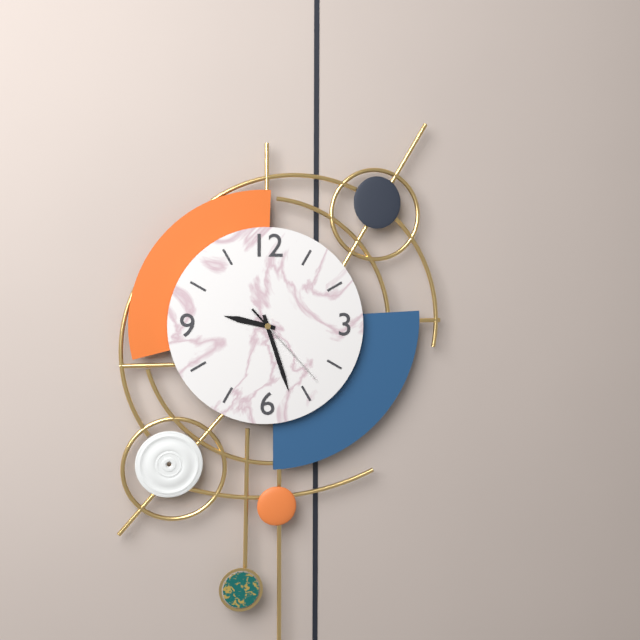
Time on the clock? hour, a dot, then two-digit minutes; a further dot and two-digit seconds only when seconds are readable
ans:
9.27.23
